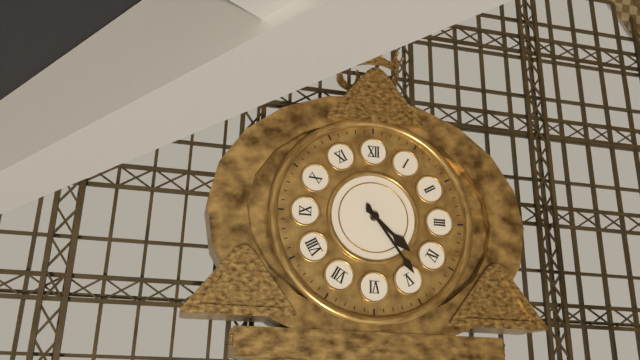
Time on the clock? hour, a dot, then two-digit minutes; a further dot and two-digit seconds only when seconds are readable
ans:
4.24
